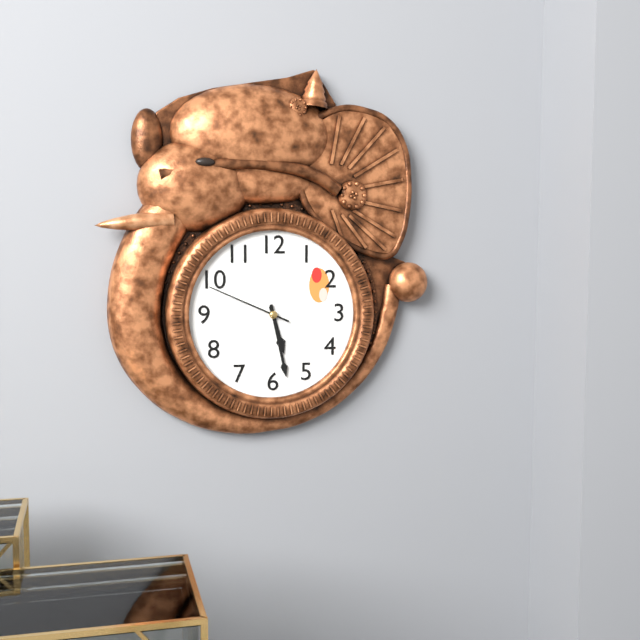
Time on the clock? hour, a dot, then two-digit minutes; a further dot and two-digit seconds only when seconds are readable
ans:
5.28.49
